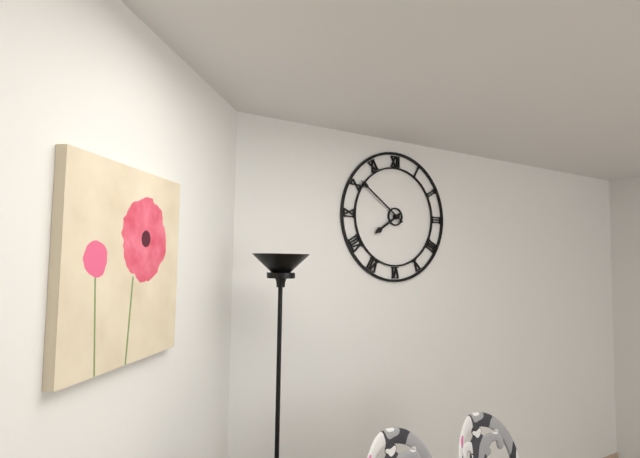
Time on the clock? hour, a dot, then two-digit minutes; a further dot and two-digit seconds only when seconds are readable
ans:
7.51
